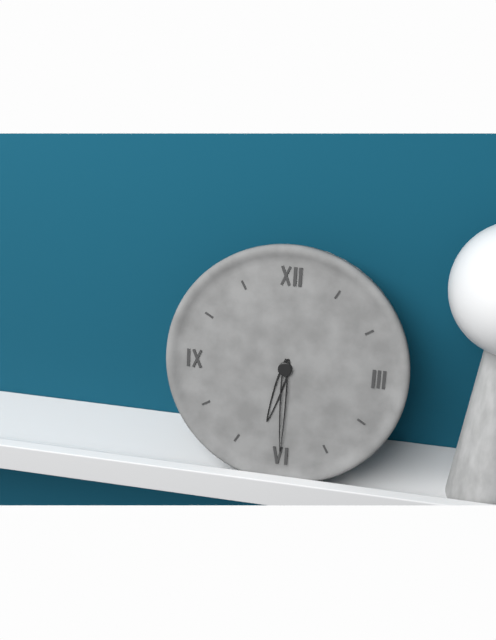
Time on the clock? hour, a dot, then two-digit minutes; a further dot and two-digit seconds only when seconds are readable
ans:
6.30
